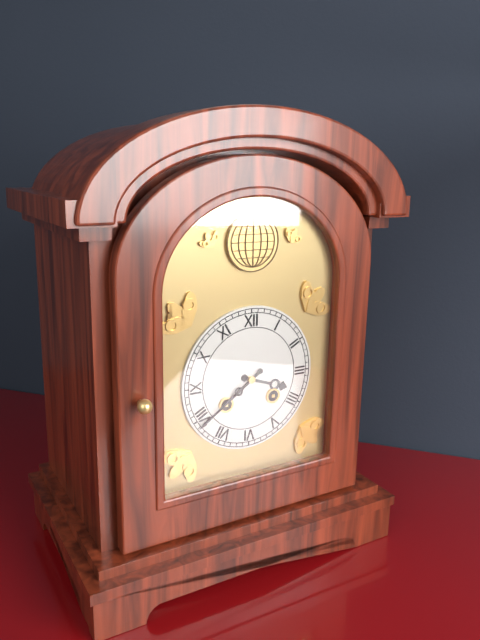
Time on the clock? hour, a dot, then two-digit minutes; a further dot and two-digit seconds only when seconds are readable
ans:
3.39
